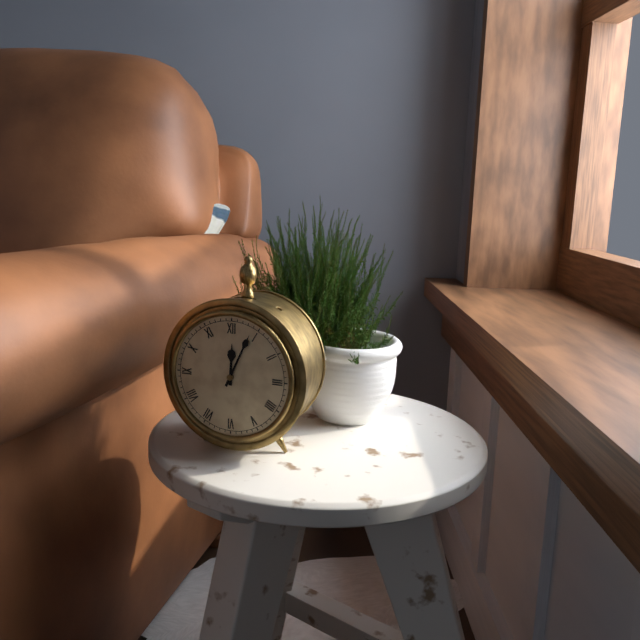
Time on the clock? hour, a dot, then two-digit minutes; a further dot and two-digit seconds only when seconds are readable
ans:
12.04
